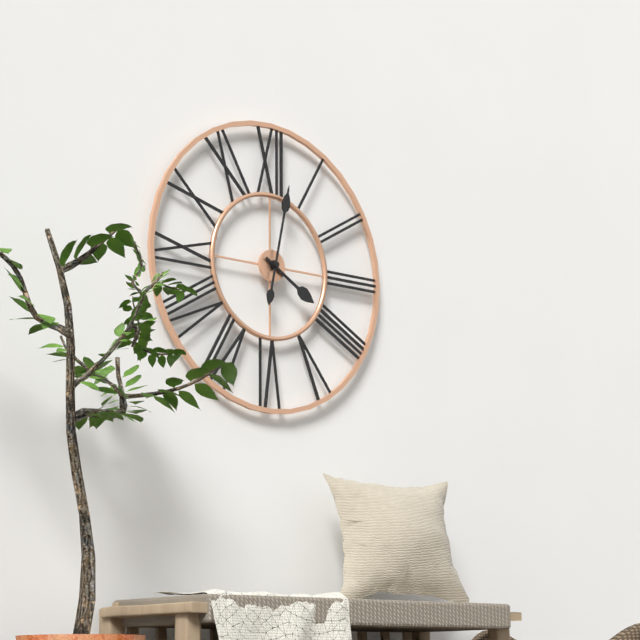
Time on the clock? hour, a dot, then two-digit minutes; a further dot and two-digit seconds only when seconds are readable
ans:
4.02
